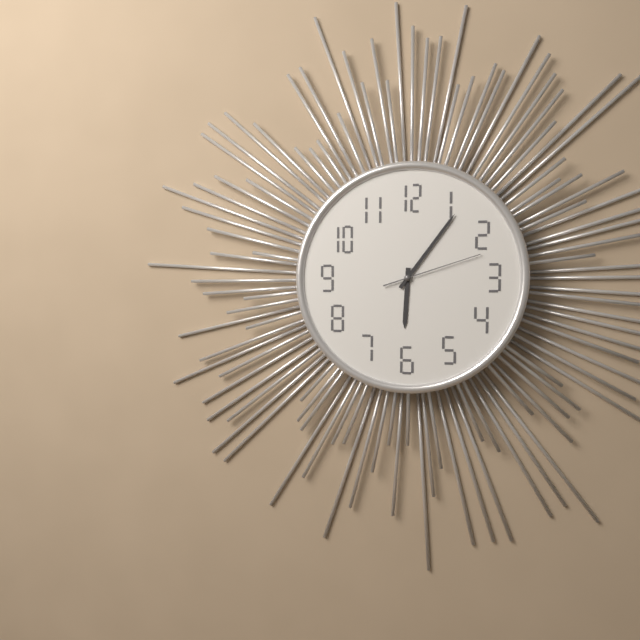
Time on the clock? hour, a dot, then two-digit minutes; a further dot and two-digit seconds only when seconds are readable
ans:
6.06.12
